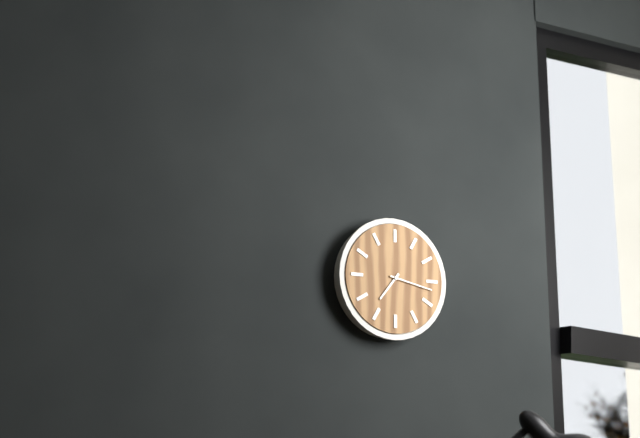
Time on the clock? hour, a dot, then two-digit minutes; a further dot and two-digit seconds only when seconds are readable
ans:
7.17
